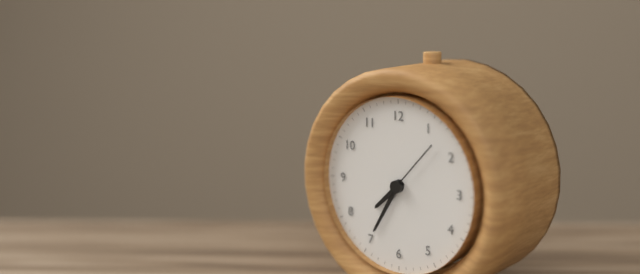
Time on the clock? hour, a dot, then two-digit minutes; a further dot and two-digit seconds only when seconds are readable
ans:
7.35.07
